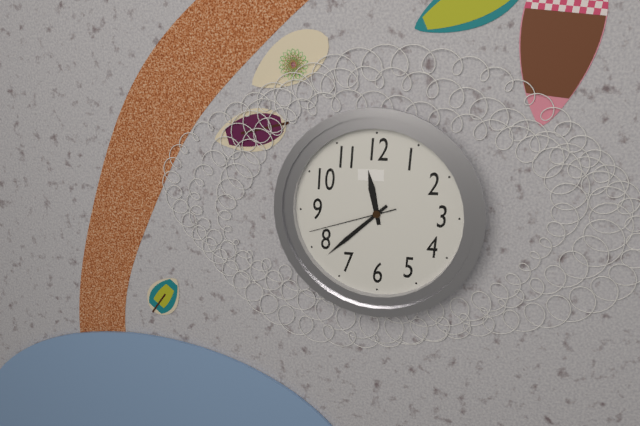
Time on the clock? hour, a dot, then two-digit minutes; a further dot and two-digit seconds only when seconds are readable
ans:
11.38.42
